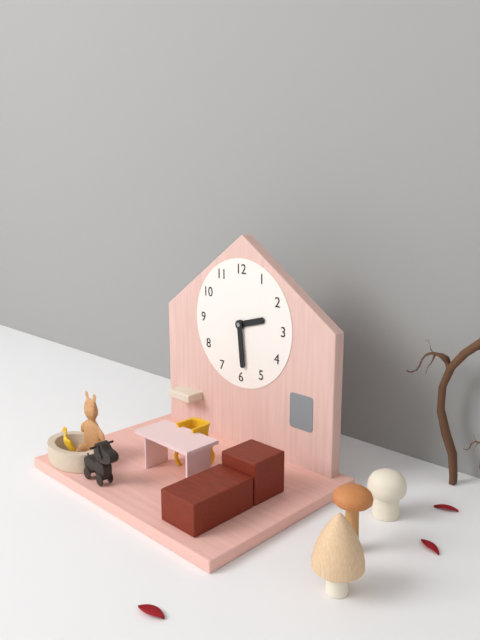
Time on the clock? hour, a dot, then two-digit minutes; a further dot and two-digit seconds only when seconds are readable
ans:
2.29
